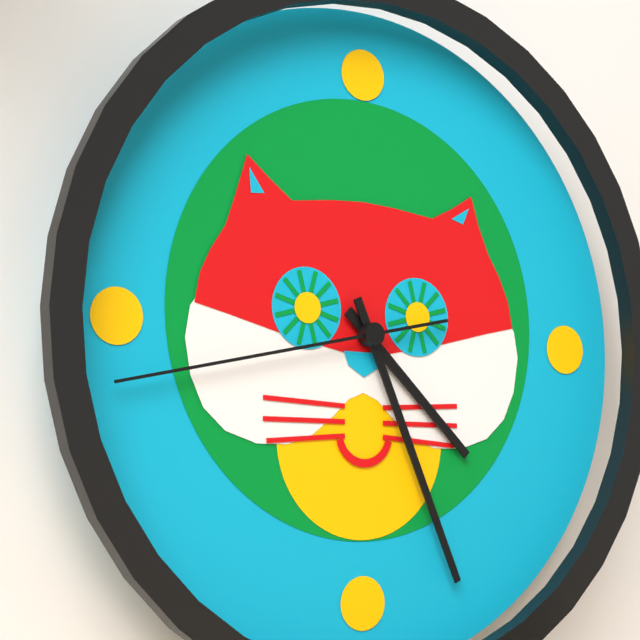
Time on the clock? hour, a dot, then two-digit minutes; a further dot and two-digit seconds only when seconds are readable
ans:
4.26.43
